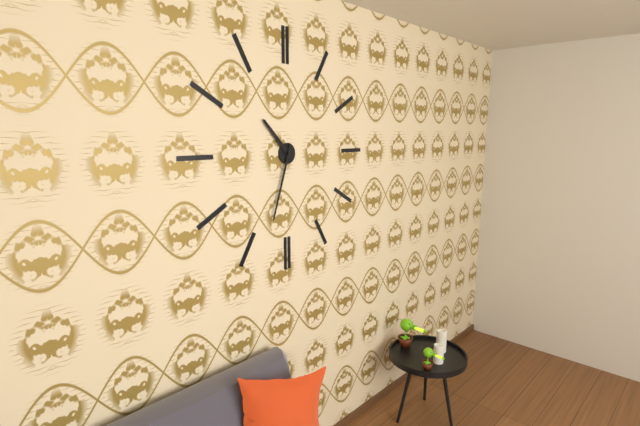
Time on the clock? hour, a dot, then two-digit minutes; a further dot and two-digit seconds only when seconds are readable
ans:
10.33
